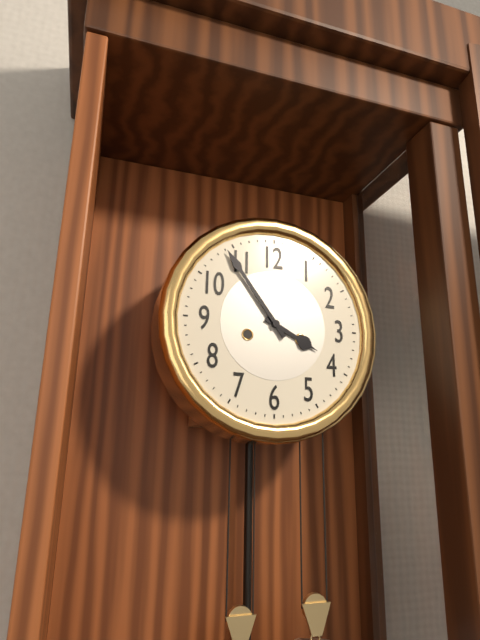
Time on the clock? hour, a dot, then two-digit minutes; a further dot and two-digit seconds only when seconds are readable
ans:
3.54
